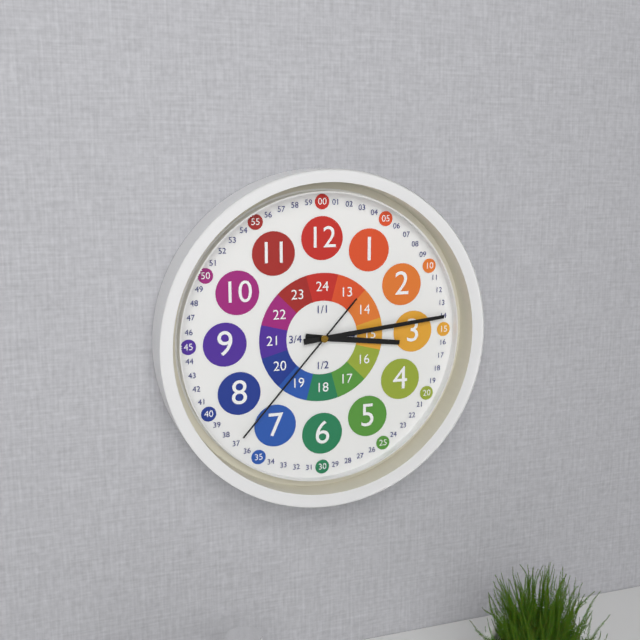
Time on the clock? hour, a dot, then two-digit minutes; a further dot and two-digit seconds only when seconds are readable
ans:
3.14.37
